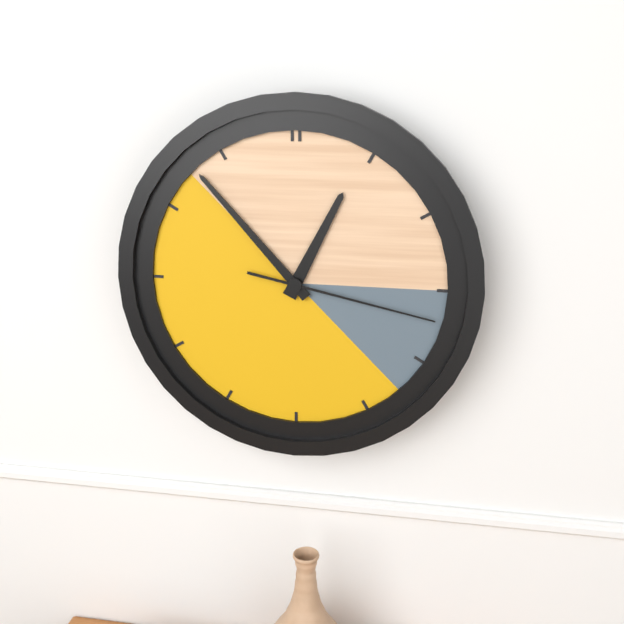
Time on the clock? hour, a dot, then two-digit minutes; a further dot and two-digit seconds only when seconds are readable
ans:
12.53.17
